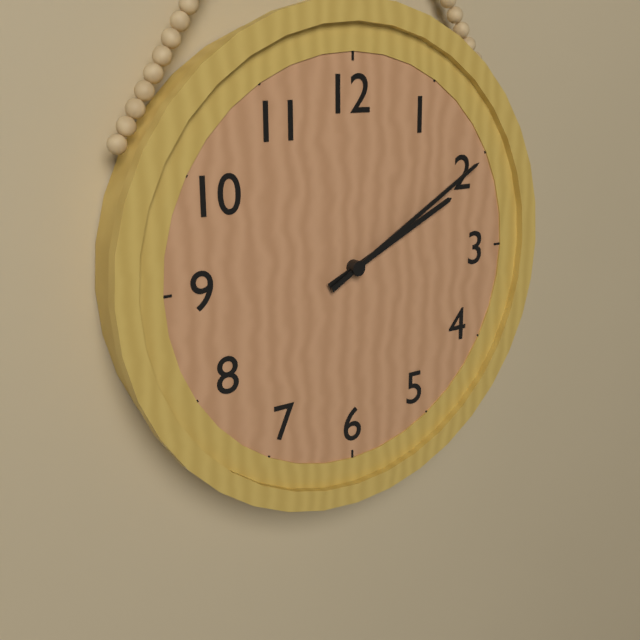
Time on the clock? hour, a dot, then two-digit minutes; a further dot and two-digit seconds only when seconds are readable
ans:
2.10
